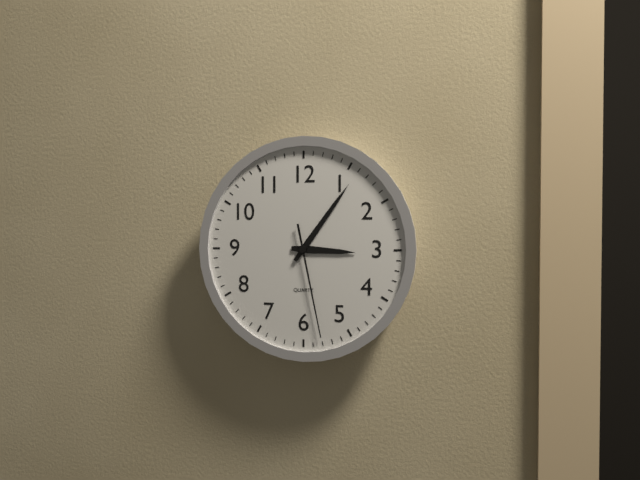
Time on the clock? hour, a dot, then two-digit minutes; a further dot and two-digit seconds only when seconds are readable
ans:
3.06.28
